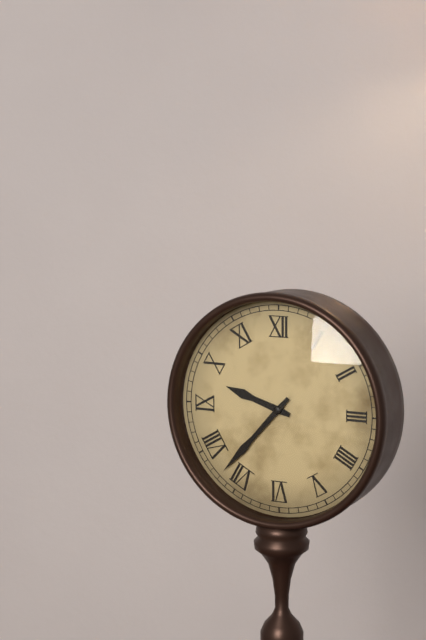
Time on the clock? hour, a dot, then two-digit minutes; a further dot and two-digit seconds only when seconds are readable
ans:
9.37
